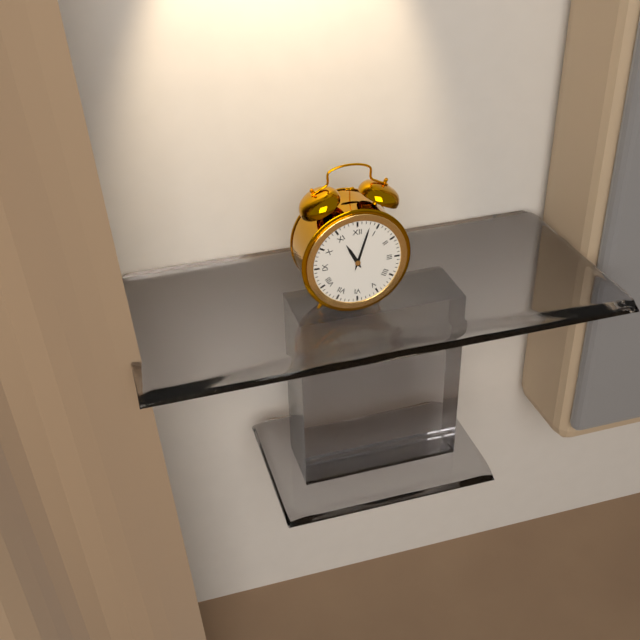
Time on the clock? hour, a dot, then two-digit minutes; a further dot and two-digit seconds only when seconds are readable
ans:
11.03
